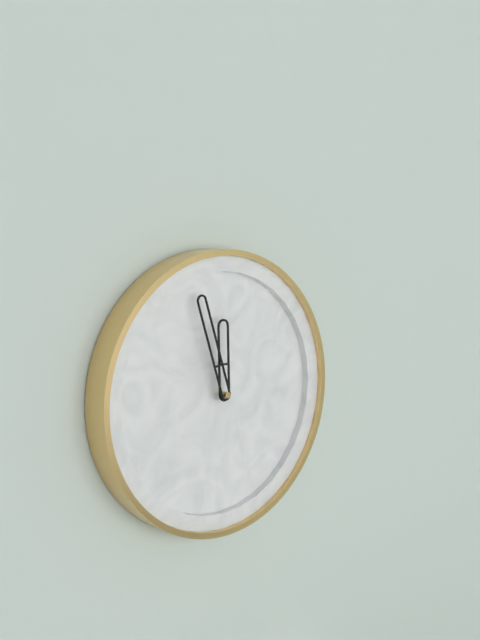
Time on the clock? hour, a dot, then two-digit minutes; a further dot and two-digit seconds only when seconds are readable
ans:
11.57
